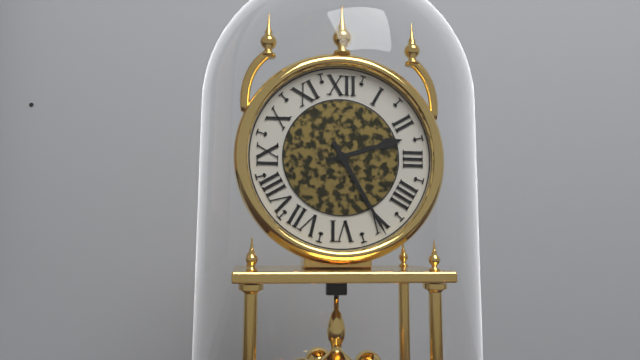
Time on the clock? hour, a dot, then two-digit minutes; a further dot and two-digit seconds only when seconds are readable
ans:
2.25
